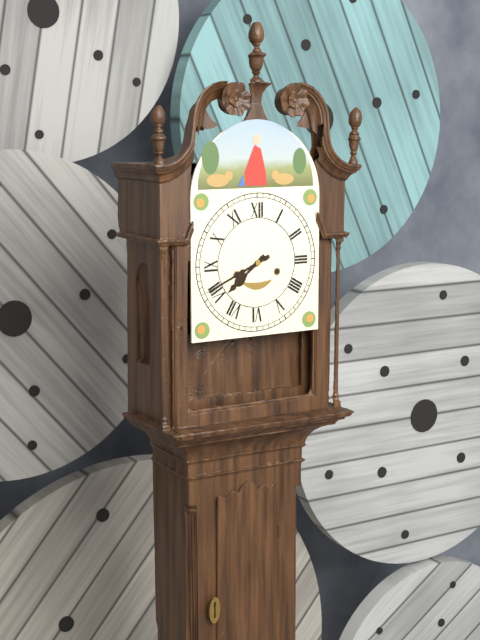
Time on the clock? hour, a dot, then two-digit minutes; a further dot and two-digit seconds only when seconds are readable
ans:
7.41
